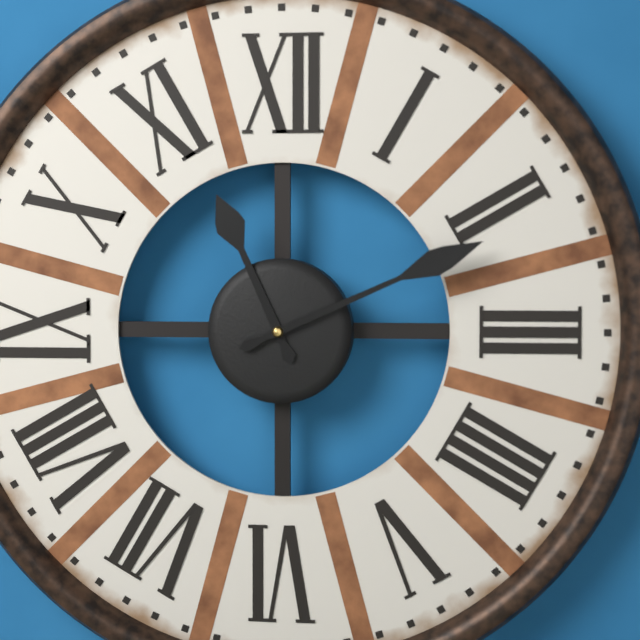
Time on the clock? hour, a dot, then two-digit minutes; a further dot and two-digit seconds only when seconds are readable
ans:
11.11
